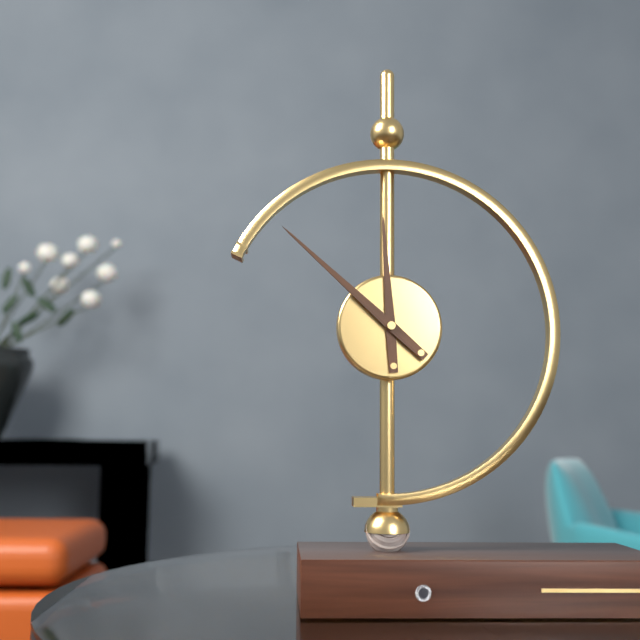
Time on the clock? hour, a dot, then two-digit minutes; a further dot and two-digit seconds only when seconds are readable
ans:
11.52
